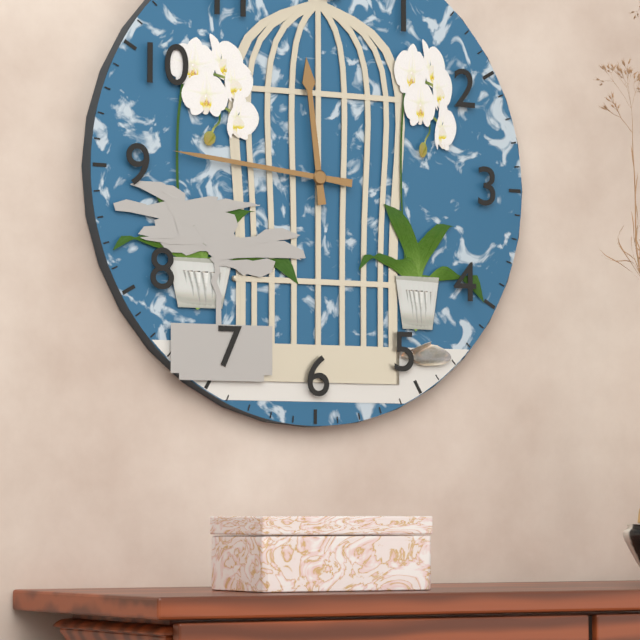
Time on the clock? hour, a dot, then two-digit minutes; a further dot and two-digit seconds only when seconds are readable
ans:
11.46
